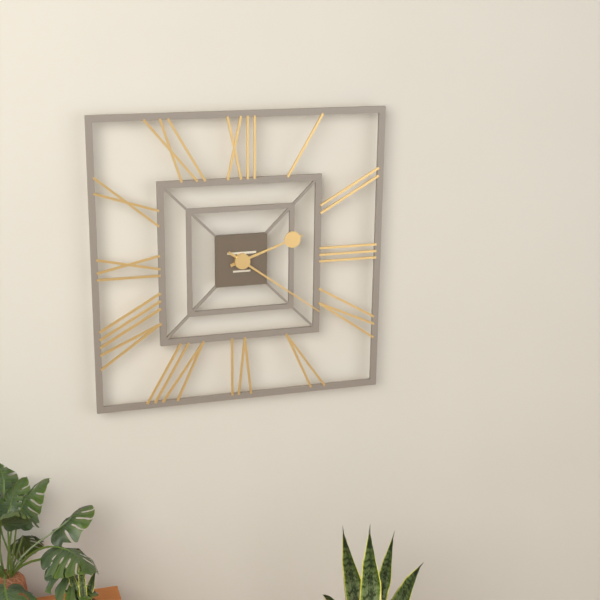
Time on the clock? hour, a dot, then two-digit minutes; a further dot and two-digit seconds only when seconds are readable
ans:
2.21
